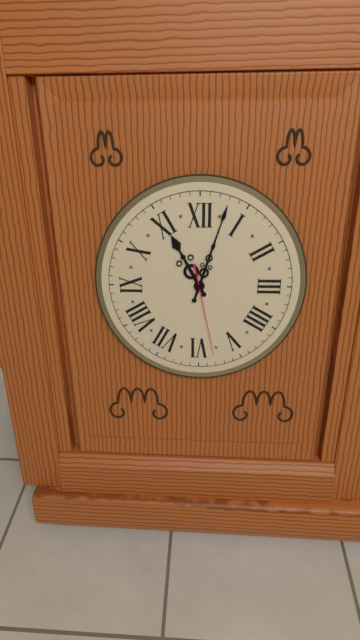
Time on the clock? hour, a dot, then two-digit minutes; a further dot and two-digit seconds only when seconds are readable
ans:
11.03.28
